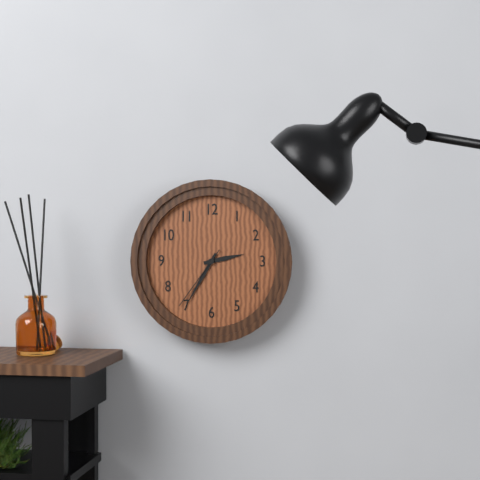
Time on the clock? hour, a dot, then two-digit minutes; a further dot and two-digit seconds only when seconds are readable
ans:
2.35.36
